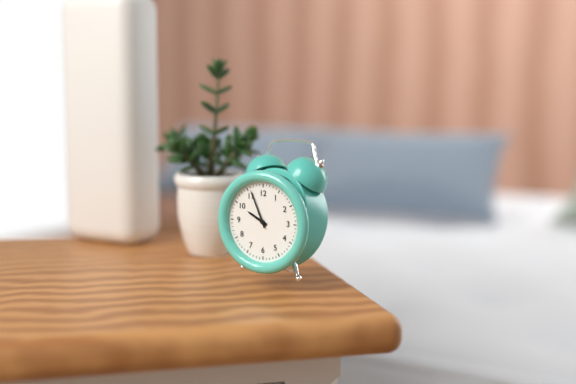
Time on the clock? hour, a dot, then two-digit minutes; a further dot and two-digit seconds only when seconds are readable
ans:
9.56
